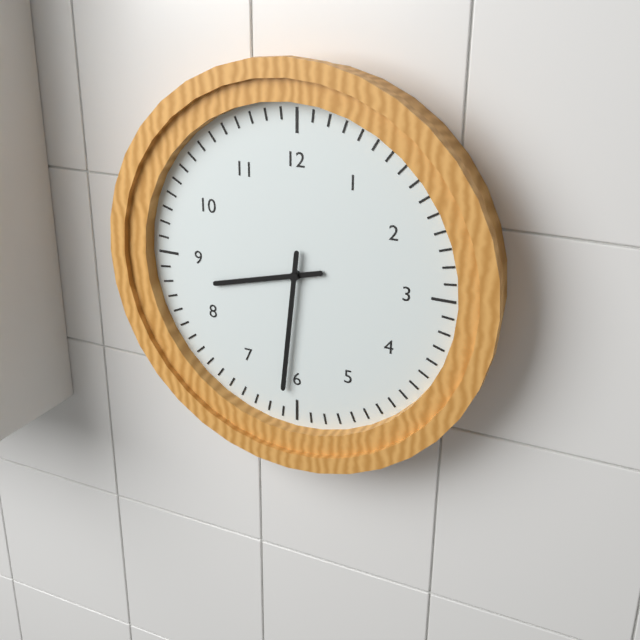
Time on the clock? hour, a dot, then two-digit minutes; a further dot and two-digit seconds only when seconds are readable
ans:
8.31
